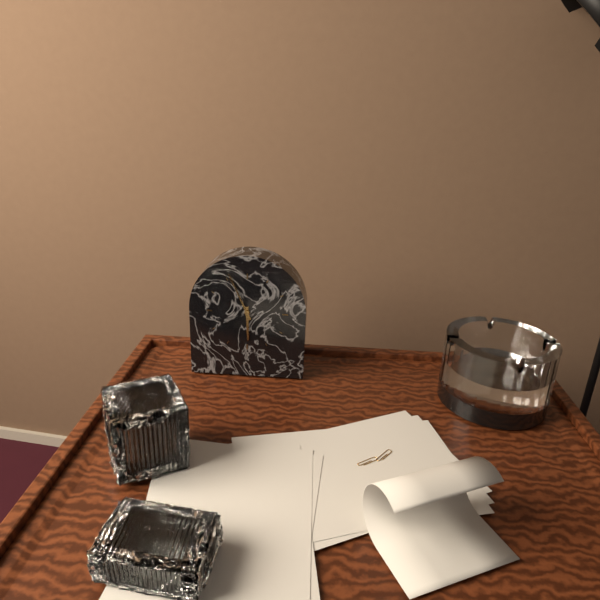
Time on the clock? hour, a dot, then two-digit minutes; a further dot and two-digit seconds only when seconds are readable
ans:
5.56
